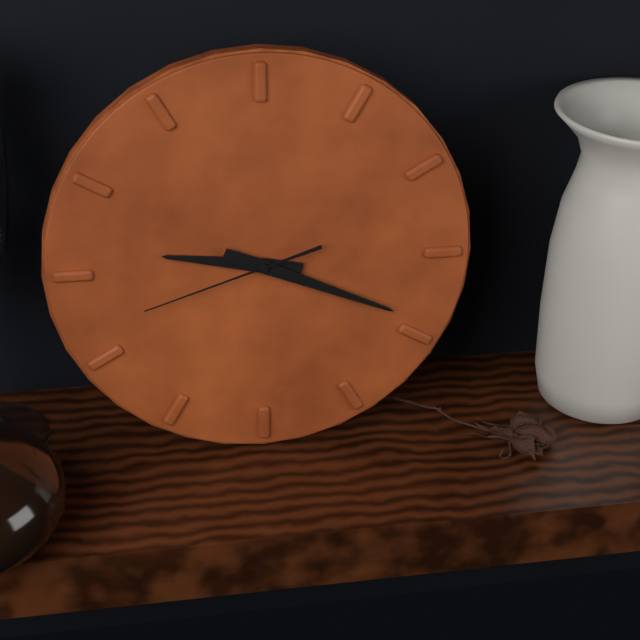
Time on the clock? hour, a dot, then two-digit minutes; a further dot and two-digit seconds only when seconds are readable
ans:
9.19.42
